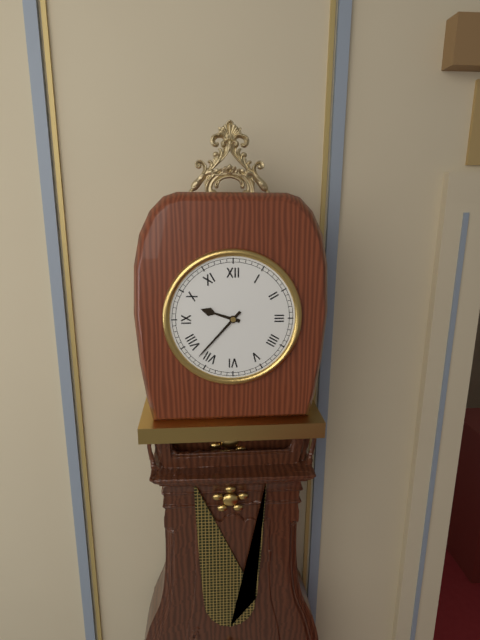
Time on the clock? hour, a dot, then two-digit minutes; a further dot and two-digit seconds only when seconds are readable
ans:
9.37
